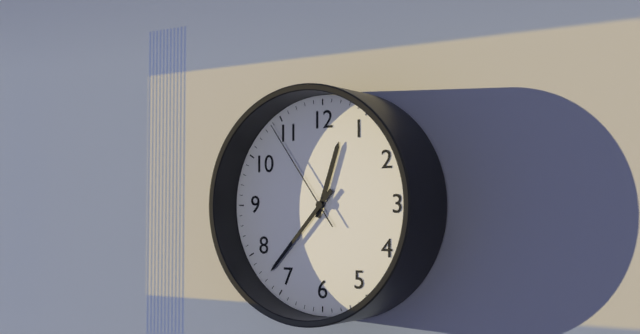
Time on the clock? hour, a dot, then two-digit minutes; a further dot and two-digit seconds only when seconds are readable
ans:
12.37.54
